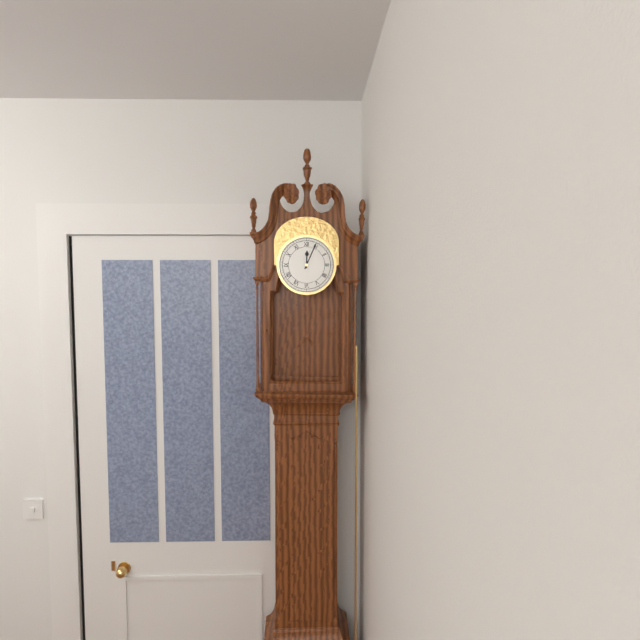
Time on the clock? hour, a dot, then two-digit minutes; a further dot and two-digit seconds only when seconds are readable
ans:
12.04
